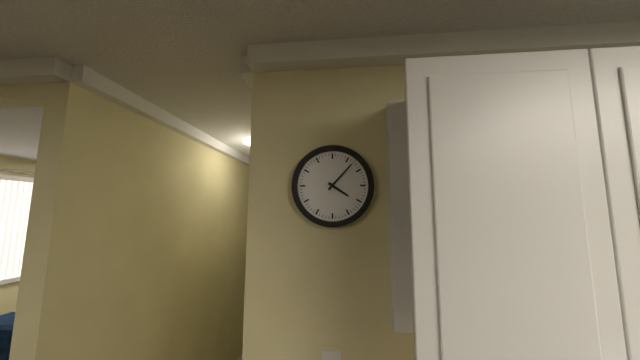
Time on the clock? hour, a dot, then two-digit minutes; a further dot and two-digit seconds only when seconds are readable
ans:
4.07
